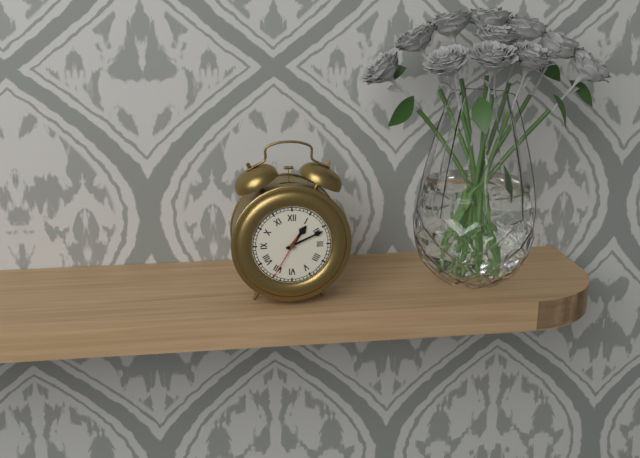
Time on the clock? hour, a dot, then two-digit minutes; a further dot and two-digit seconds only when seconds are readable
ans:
1.11
